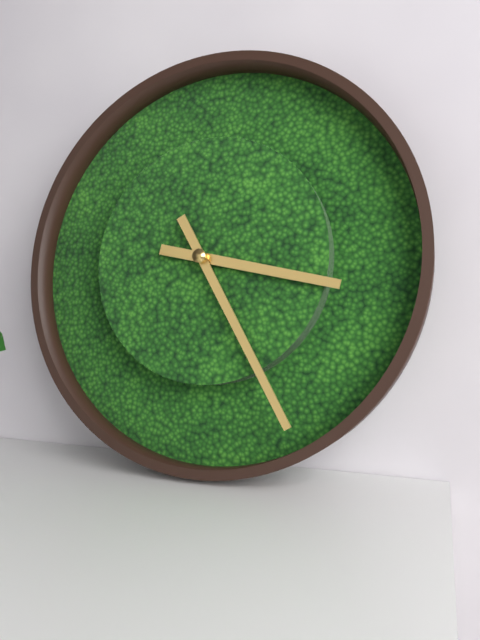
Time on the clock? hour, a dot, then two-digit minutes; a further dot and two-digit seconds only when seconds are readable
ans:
3.25
